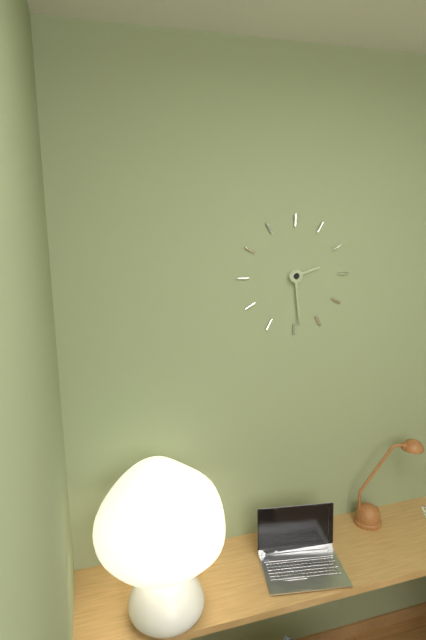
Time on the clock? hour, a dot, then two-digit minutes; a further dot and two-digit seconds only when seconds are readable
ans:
2.29
